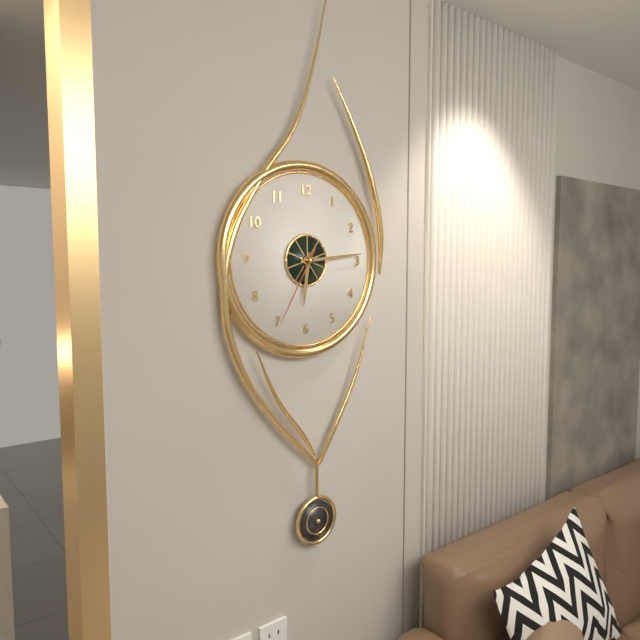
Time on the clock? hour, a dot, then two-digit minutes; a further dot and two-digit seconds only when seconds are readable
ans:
6.14.35
